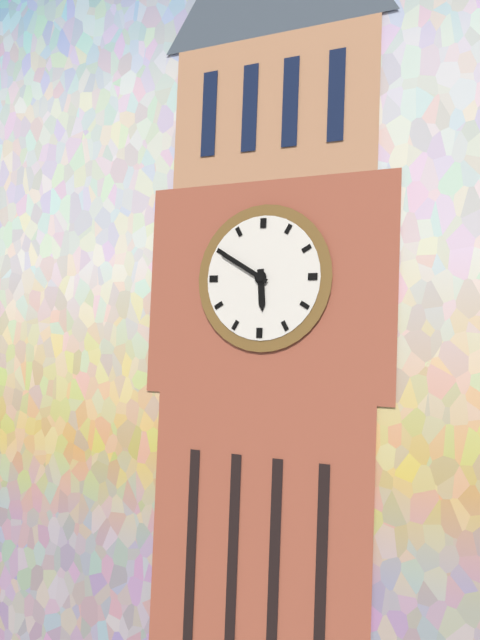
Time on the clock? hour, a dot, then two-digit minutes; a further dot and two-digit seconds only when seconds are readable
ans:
5.50
